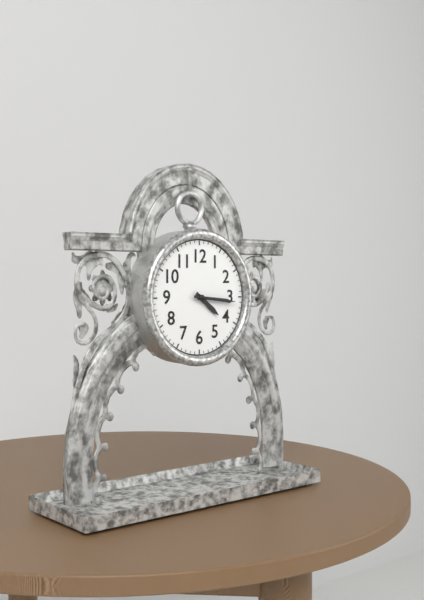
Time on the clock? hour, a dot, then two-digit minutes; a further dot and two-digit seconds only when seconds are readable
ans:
4.16
